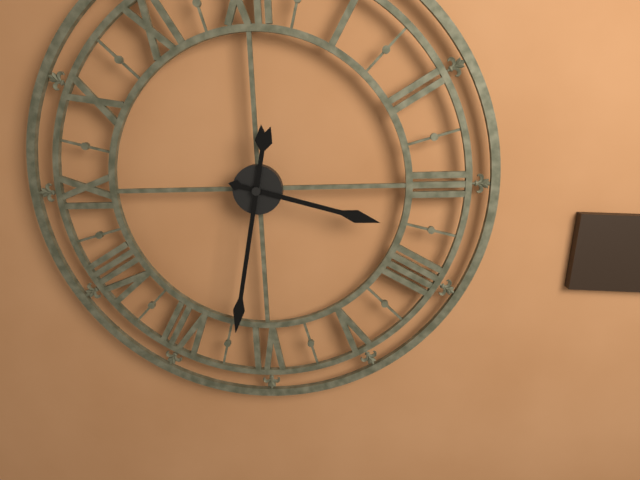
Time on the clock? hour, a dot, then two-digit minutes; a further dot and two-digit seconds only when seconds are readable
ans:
3.32
